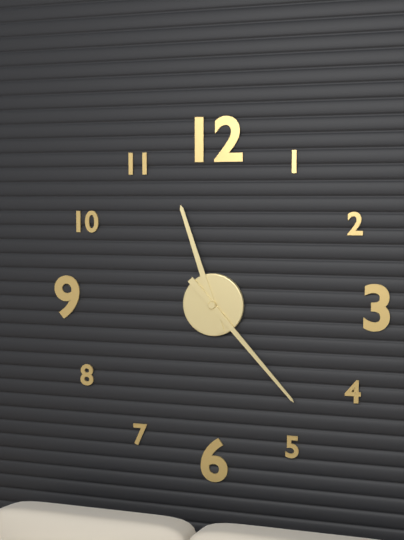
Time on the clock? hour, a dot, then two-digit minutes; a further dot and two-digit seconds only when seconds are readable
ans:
11.23
